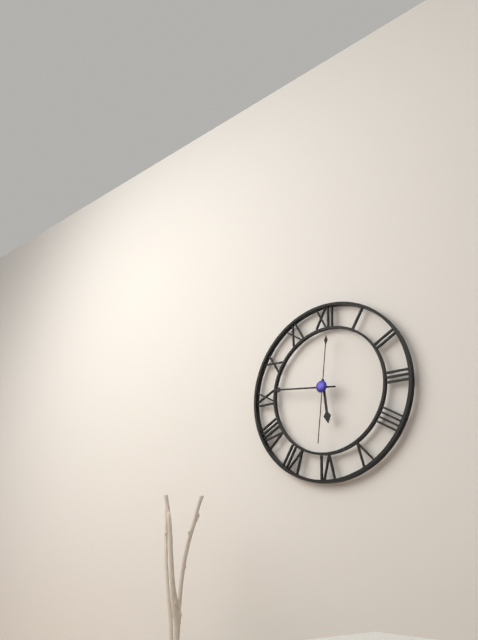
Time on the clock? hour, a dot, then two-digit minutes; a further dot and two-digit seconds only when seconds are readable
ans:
5.46.31
